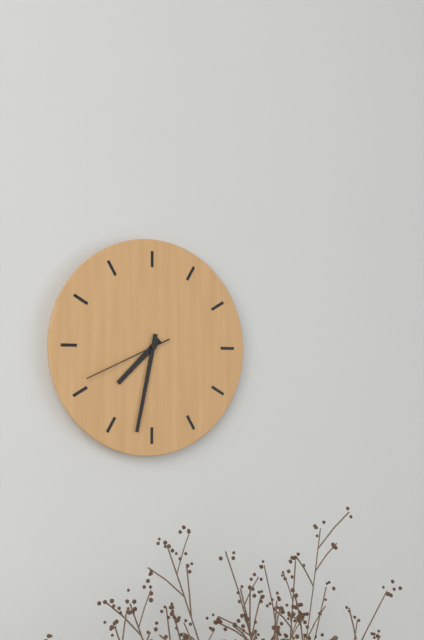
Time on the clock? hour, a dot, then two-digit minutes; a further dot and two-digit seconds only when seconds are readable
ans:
7.32.41
